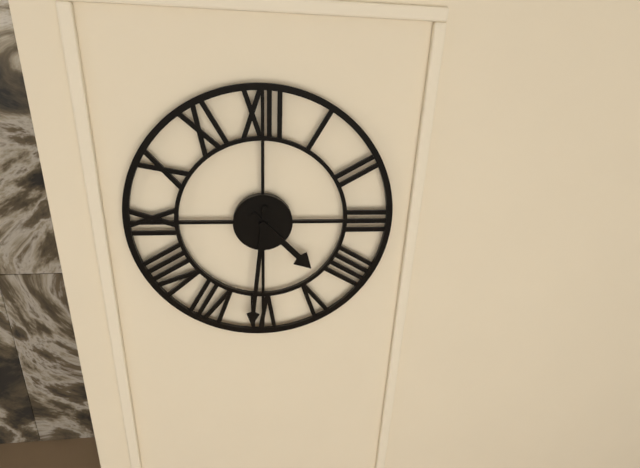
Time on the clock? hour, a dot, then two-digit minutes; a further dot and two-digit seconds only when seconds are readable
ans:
4.31
